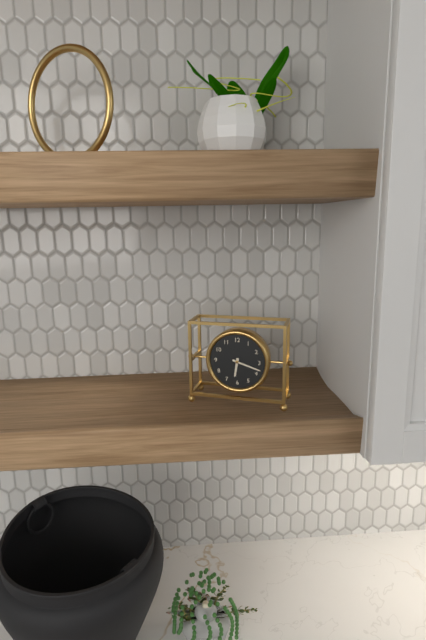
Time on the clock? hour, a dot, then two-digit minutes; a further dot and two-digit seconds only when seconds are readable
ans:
6.18
